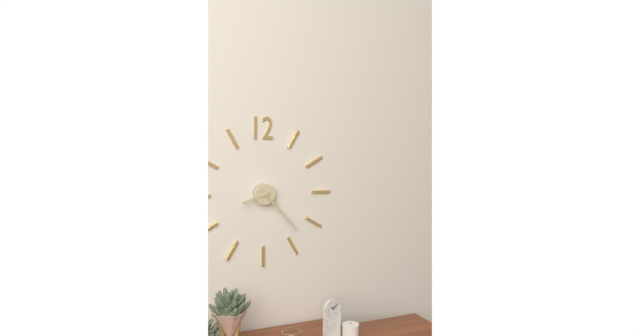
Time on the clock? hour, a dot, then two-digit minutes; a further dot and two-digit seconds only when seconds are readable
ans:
8.23
